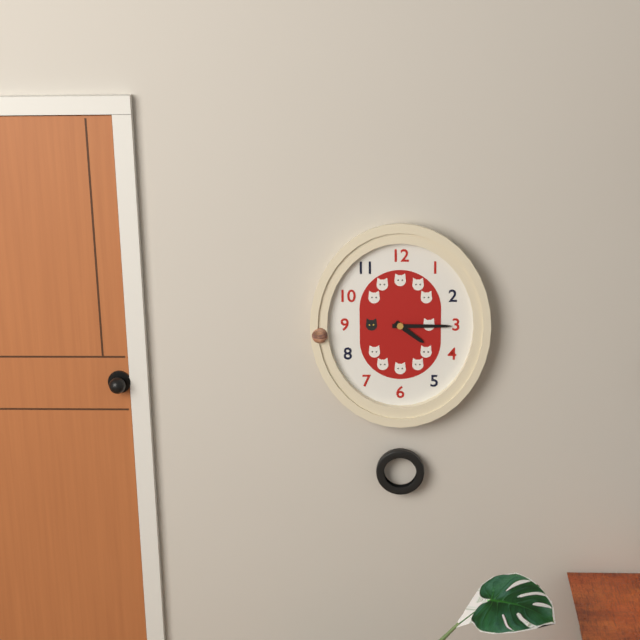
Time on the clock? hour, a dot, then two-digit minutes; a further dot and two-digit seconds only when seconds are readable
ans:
4.15
